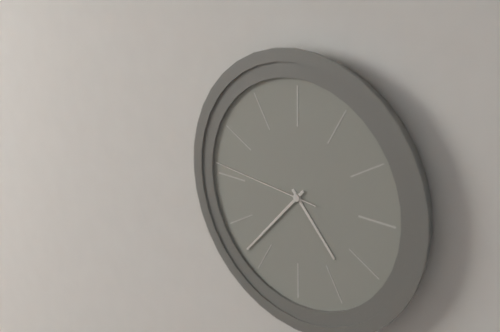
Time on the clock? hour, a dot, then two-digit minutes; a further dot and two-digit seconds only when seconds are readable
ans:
4.37.46
